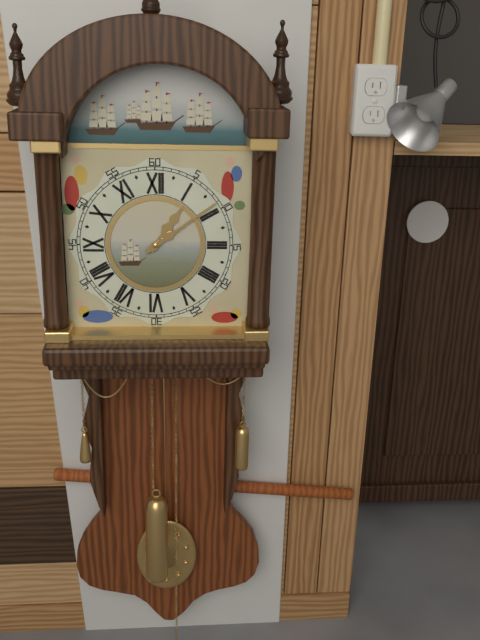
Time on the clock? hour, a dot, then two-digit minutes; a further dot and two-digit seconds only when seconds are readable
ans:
1.09
